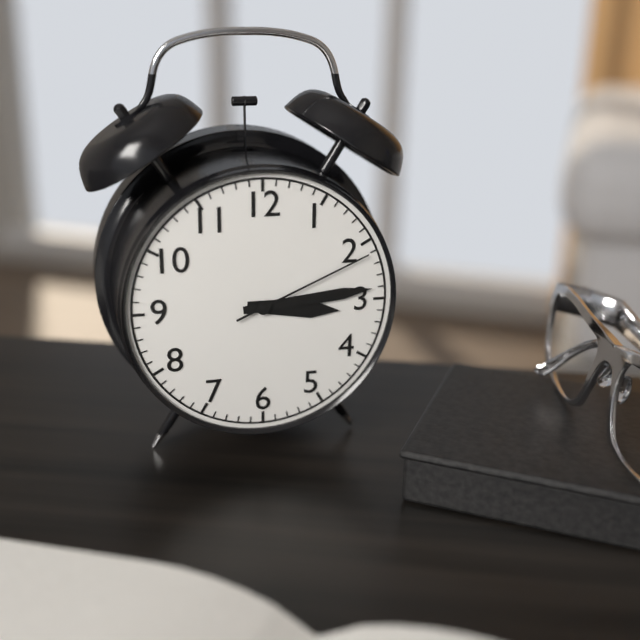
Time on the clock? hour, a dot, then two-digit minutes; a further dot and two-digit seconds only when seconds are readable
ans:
3.14.11
